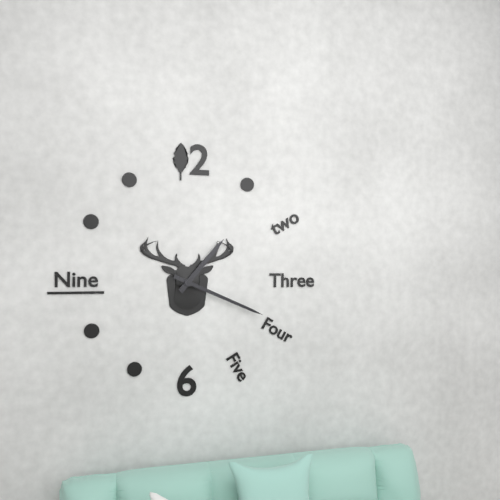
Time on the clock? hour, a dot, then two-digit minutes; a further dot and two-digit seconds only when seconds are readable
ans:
1.19
